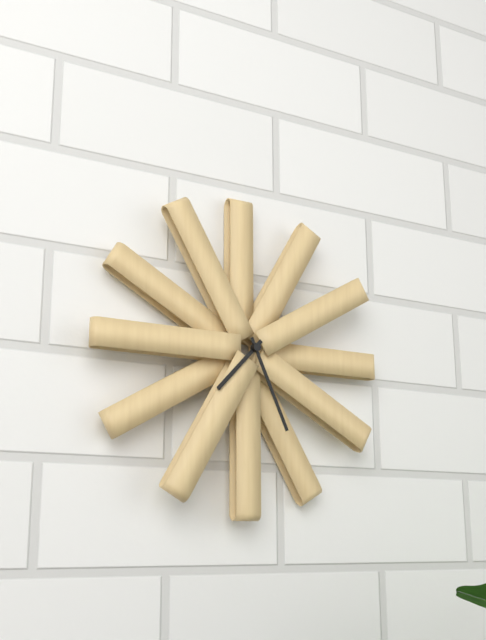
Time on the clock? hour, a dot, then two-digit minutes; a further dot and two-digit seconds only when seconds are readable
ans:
7.26
